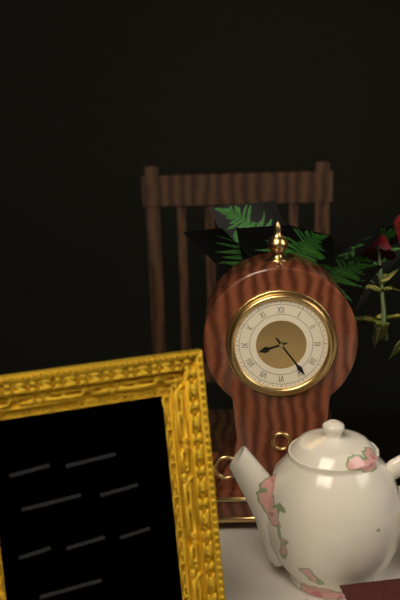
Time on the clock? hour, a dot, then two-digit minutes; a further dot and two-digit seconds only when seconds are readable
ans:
8.24
